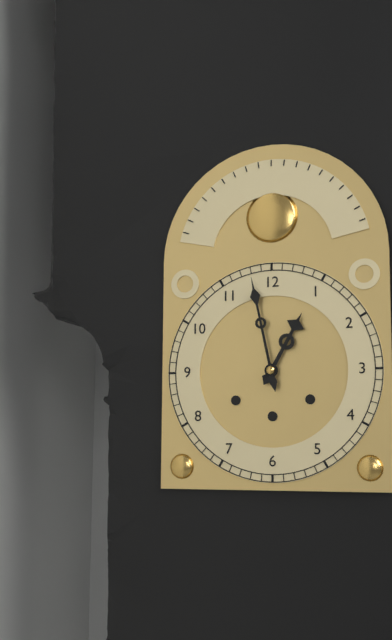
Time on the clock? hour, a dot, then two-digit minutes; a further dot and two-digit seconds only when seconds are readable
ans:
12.58
